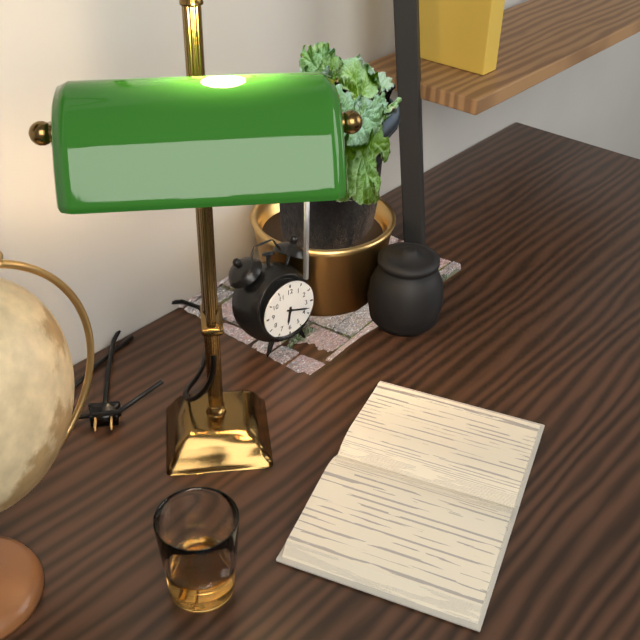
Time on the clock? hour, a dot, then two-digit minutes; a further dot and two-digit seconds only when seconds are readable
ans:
6.18
